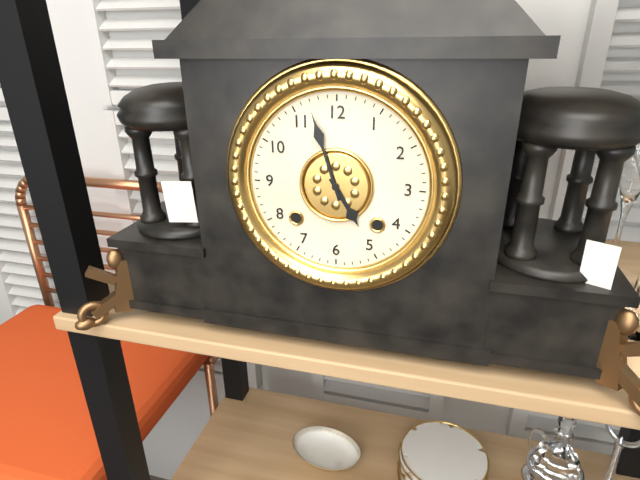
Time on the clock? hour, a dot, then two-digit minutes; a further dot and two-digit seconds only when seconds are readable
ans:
4.57
